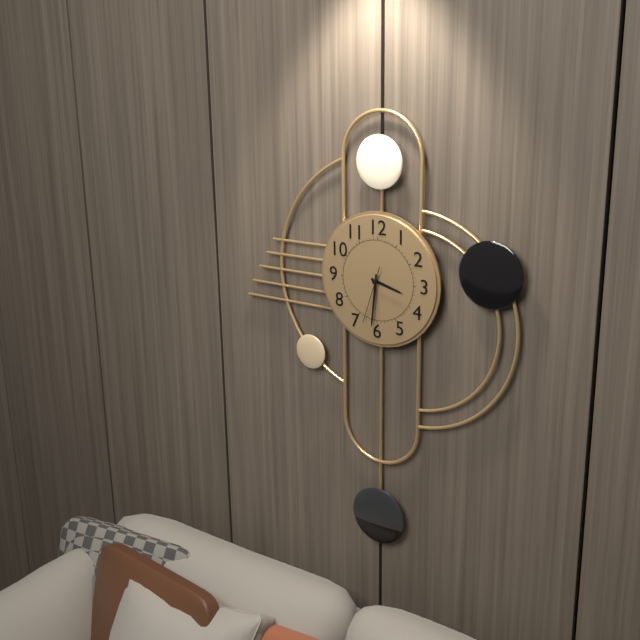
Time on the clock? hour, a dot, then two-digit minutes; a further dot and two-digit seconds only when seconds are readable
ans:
3.31.33
